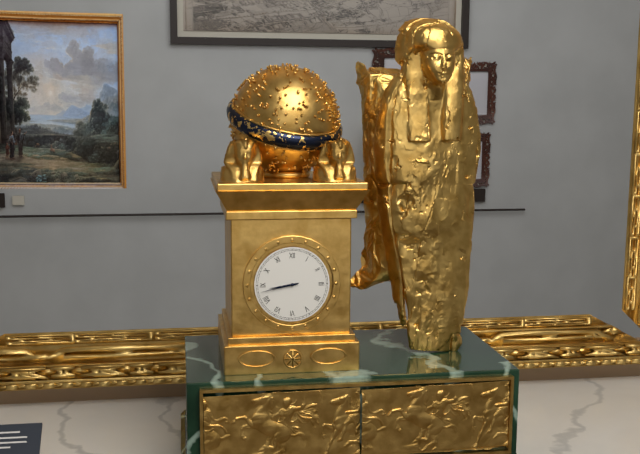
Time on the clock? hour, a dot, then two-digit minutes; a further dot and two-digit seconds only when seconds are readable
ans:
8.43
